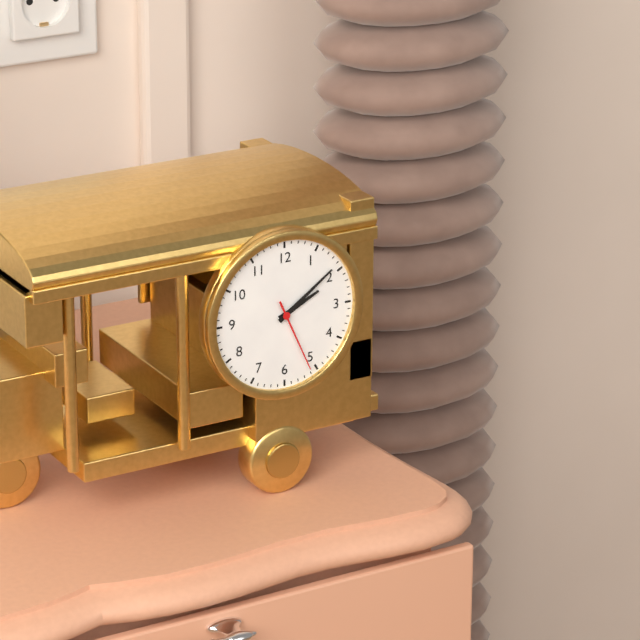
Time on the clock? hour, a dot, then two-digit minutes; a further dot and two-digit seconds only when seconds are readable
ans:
2.09.26
